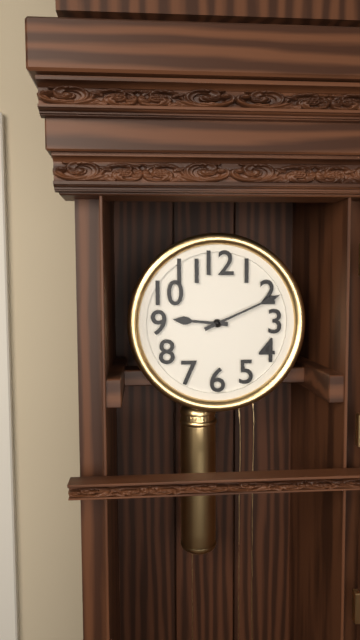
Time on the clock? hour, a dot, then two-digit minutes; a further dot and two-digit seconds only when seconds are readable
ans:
9.11
